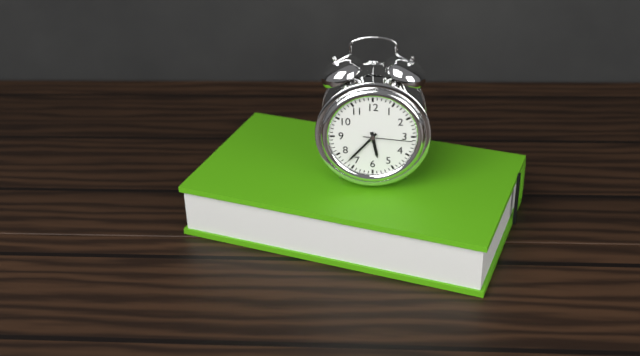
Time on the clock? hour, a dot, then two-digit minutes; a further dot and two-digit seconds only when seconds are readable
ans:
5.37.16
